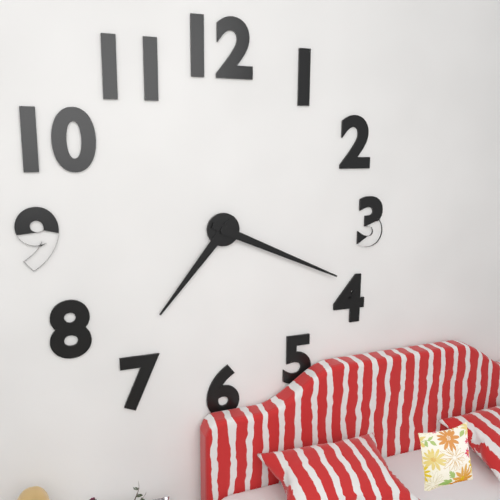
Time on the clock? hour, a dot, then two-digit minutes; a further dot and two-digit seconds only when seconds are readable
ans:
7.19
